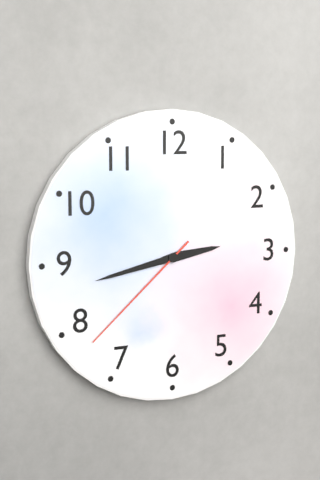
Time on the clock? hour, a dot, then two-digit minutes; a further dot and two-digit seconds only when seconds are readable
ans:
2.43.38
